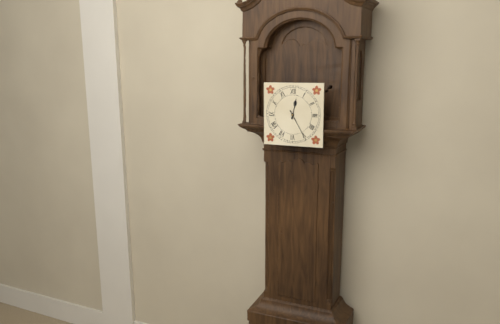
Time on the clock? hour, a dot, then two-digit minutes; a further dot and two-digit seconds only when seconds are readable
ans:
12.25
